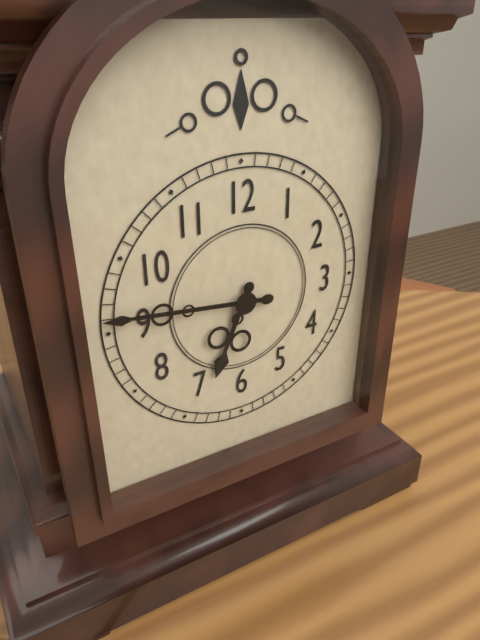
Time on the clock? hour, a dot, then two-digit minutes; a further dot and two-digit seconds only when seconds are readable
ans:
6.46
